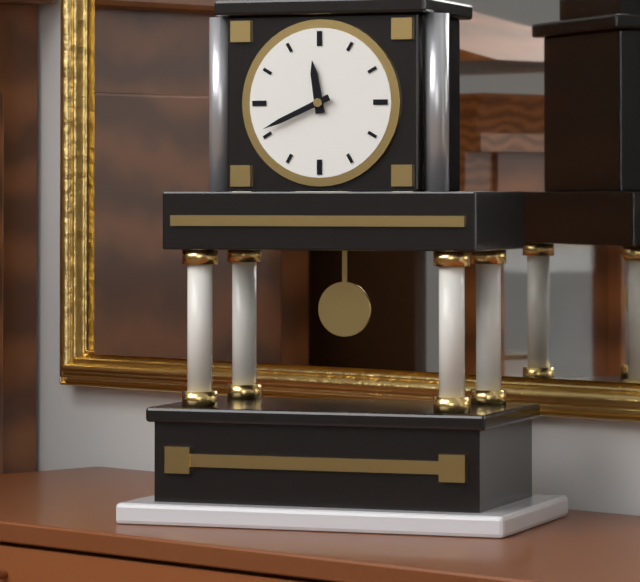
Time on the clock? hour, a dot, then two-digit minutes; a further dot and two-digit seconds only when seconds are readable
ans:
11.41
